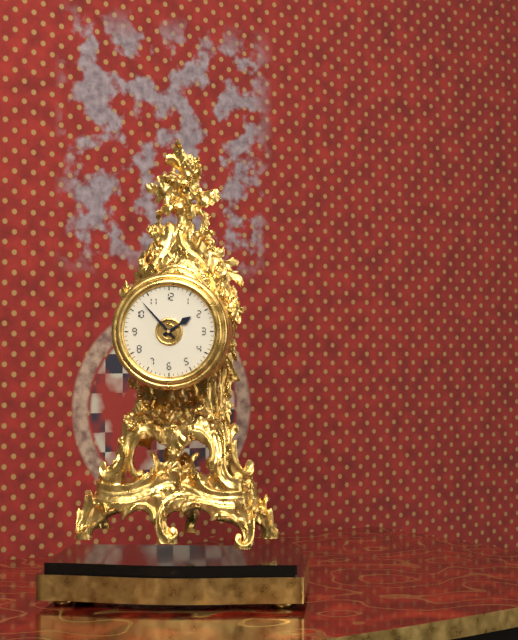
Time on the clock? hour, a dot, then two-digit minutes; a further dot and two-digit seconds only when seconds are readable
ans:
1.53
